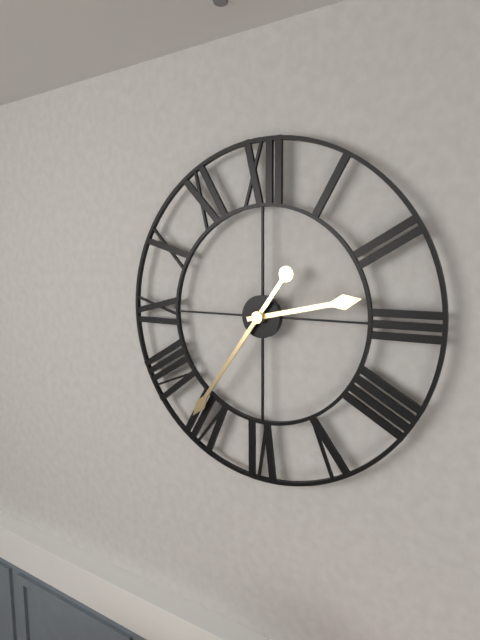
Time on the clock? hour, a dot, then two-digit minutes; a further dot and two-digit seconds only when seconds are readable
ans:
2.36
